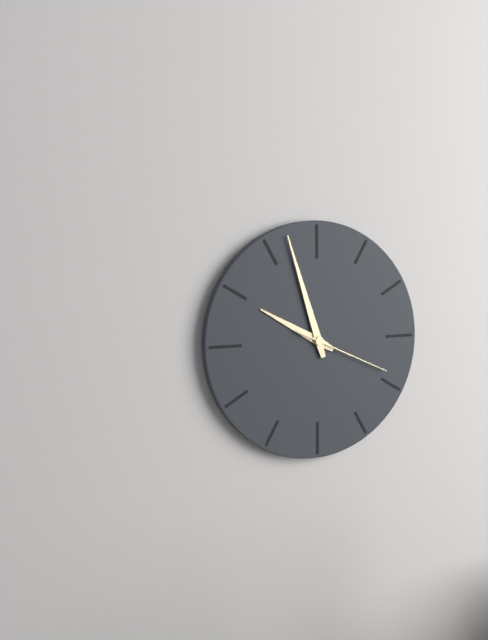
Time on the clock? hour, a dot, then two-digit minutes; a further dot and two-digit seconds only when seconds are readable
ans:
9.57.19
